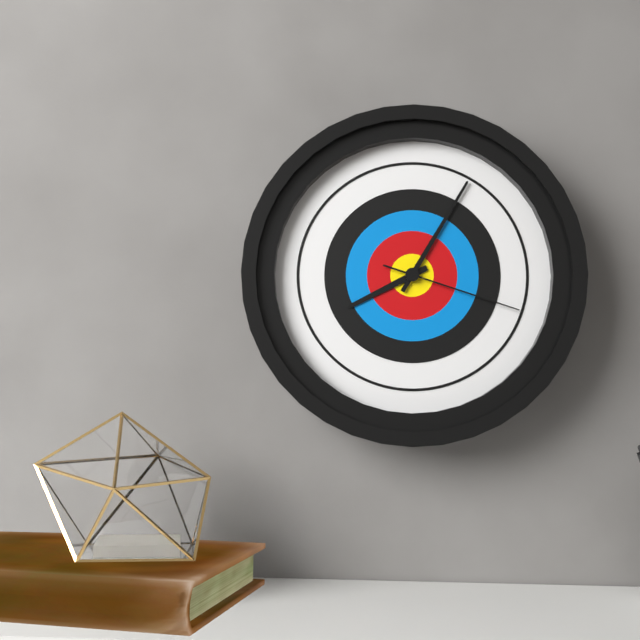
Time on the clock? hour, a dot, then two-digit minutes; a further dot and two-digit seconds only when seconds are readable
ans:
8.05.18
